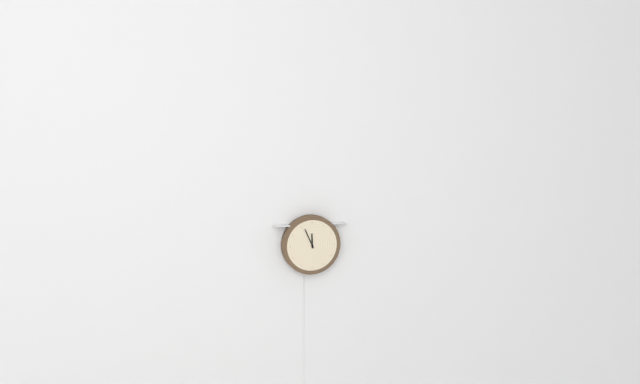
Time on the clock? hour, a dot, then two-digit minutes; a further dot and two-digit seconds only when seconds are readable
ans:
11.56
